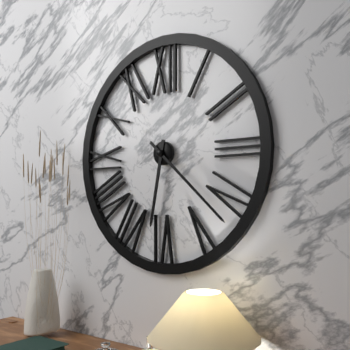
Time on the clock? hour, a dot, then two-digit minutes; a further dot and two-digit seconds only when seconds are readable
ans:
6.22
